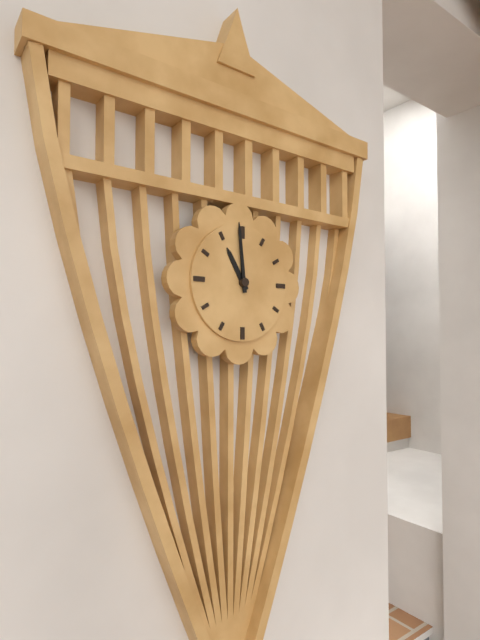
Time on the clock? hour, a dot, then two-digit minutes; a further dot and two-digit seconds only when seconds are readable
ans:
10.59
